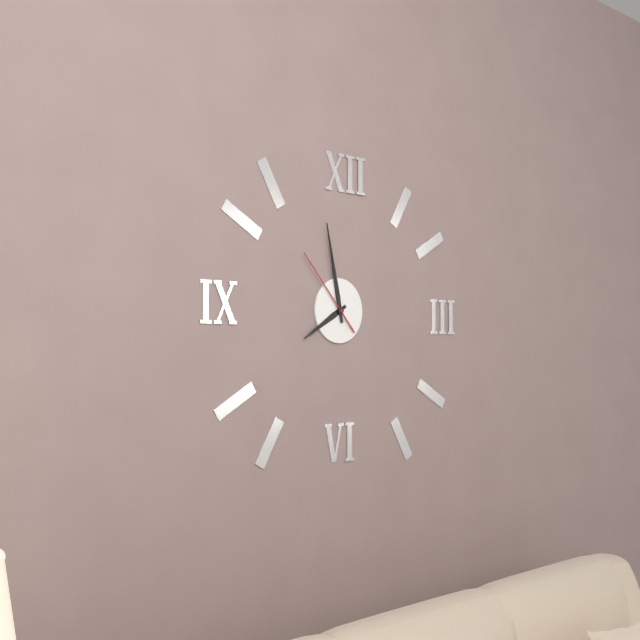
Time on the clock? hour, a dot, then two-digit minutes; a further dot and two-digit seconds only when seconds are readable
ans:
7.58.53
